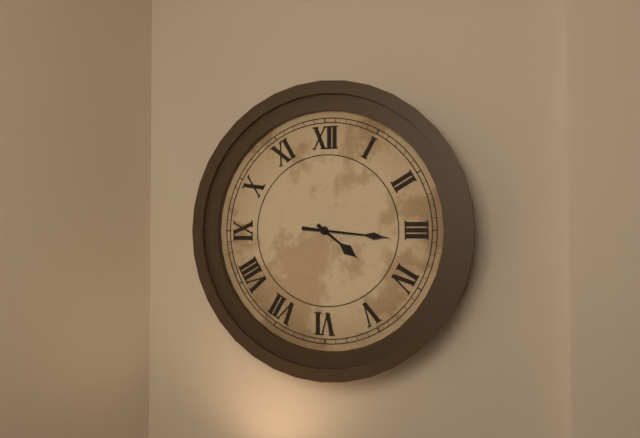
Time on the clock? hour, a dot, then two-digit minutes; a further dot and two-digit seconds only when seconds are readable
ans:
4.16
